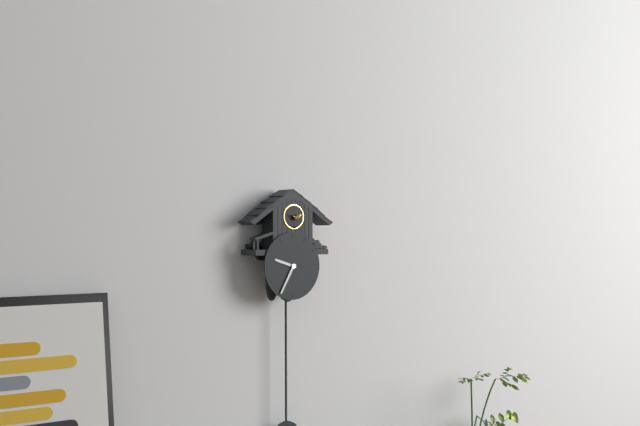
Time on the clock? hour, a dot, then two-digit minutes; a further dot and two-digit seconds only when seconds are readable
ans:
9.35
